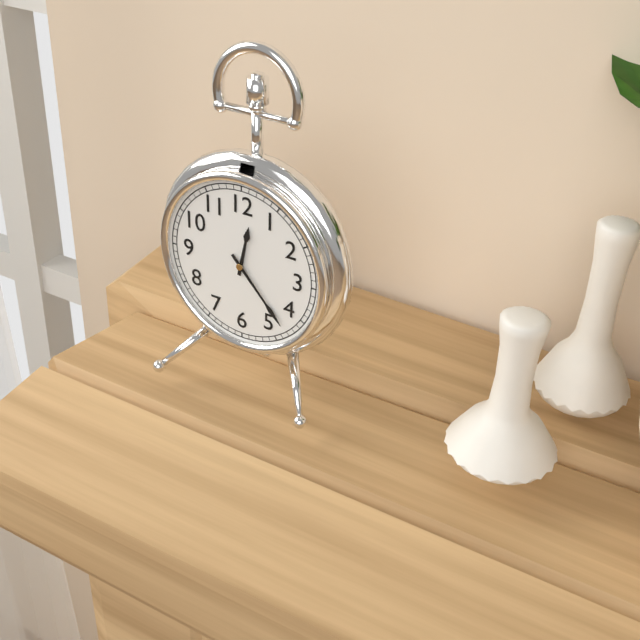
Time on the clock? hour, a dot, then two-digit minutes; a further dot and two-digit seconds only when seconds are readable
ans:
12.23
